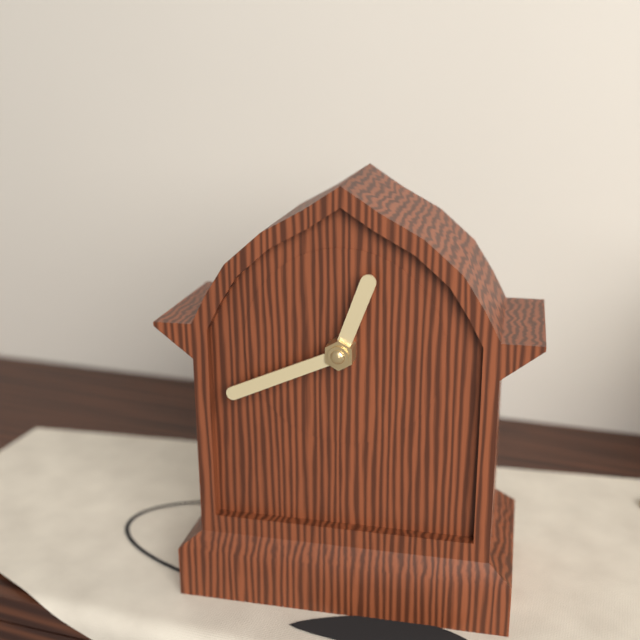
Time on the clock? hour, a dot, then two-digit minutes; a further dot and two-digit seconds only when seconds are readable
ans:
12.41
